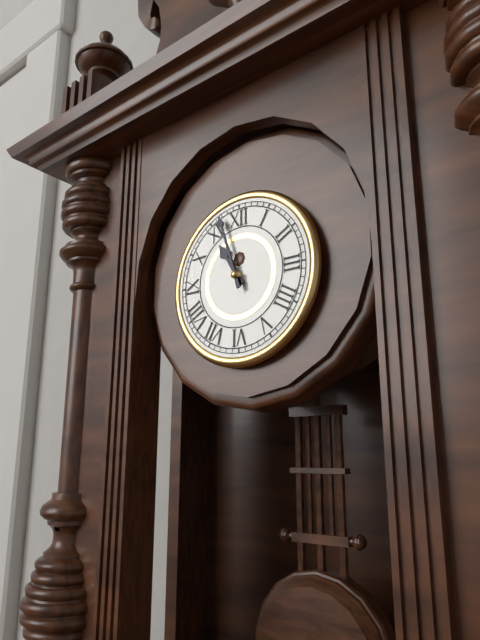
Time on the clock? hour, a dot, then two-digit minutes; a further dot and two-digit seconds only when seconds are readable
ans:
10.57
